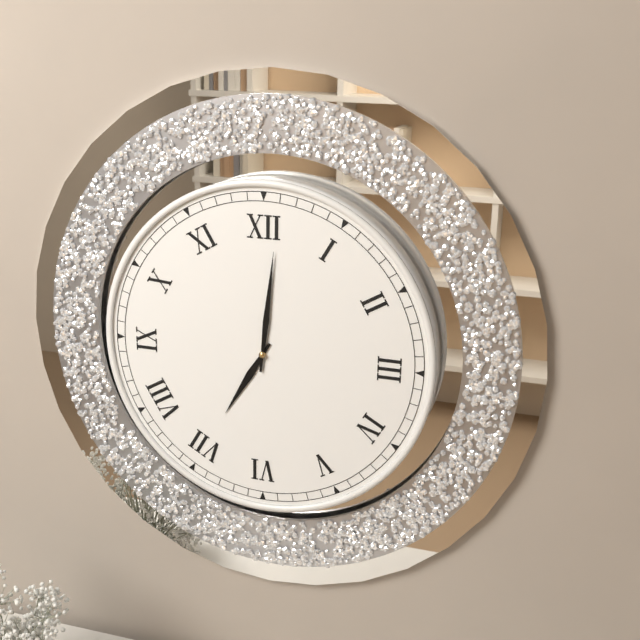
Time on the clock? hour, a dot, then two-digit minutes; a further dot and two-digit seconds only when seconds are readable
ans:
7.01
